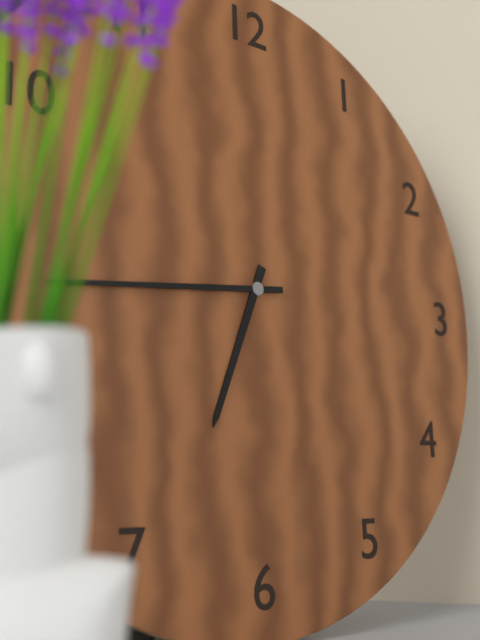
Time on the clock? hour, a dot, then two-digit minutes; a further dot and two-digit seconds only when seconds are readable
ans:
6.44
